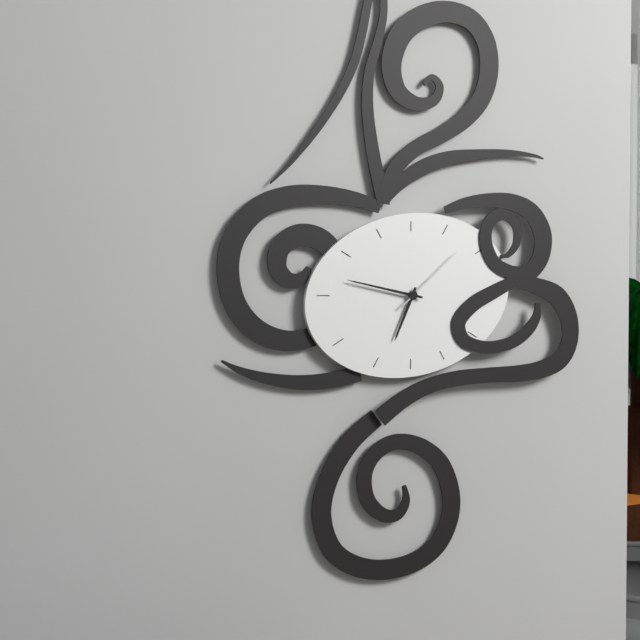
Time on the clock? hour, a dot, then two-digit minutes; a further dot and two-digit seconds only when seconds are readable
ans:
6.47.08
